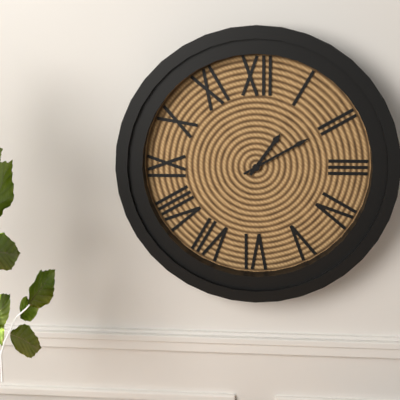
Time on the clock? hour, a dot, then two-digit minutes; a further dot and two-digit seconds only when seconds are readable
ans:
1.10
